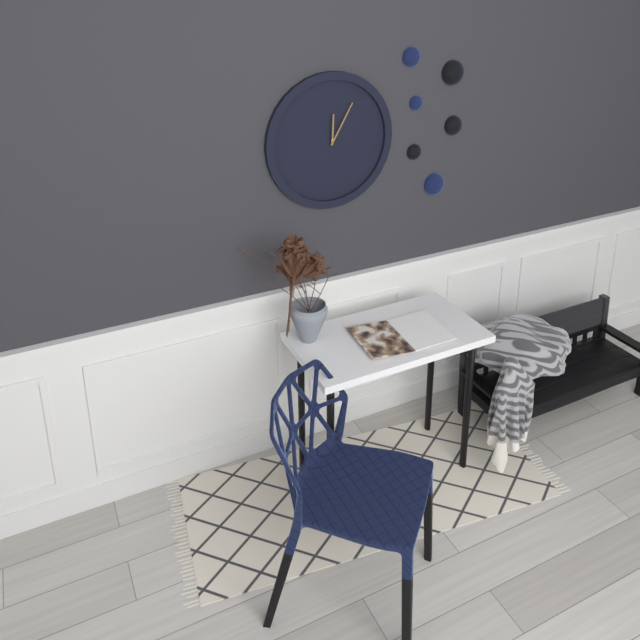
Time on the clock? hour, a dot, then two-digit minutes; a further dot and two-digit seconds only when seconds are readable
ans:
12.05
